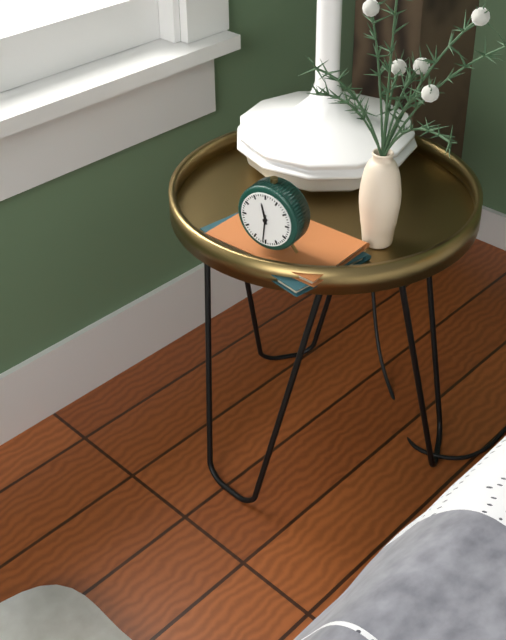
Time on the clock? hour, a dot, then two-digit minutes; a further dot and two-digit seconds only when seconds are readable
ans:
11.31
